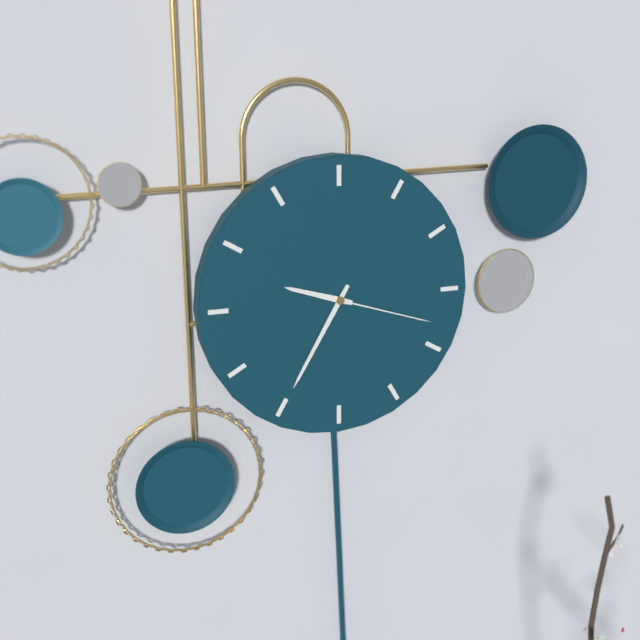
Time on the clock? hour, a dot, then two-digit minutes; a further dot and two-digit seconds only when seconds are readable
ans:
9.35.18
